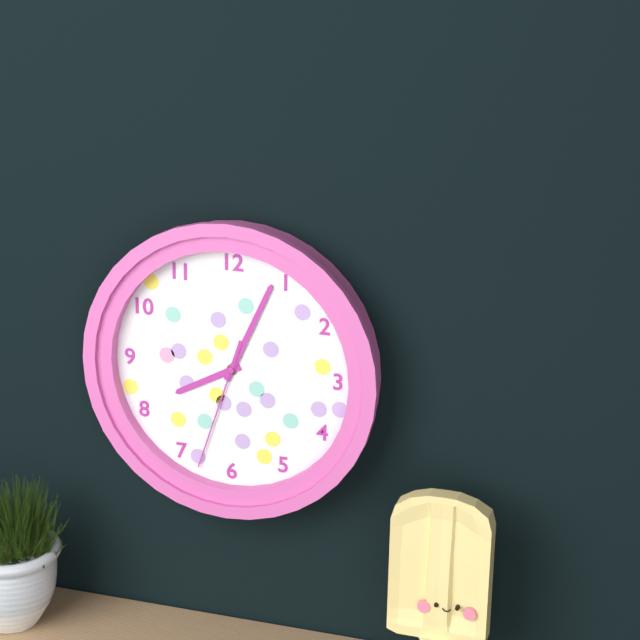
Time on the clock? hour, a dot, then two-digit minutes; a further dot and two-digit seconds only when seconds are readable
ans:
8.04.33
